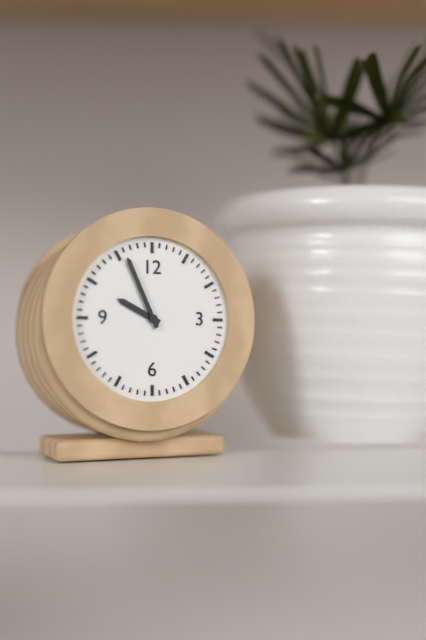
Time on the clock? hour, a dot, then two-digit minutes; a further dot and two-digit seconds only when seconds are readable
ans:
9.56
